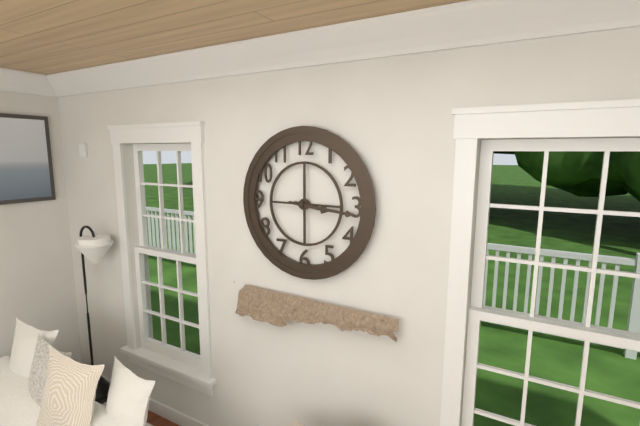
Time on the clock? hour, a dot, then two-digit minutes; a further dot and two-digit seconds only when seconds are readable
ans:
3.16
